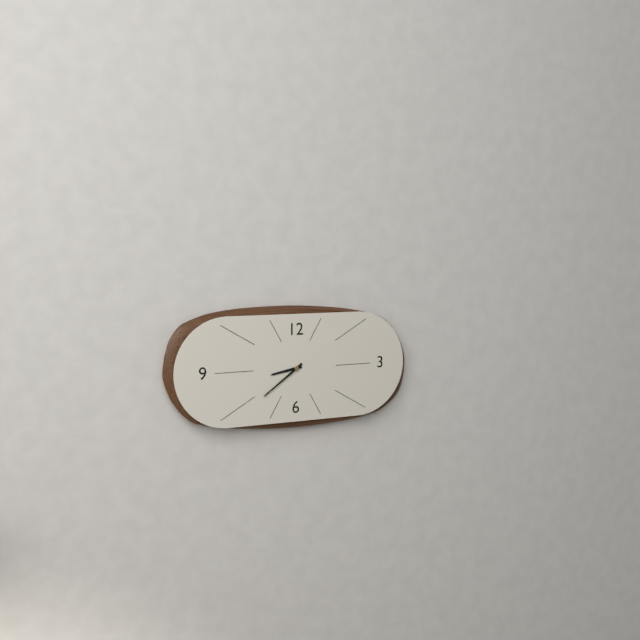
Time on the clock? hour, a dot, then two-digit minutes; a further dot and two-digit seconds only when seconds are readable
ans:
8.39
